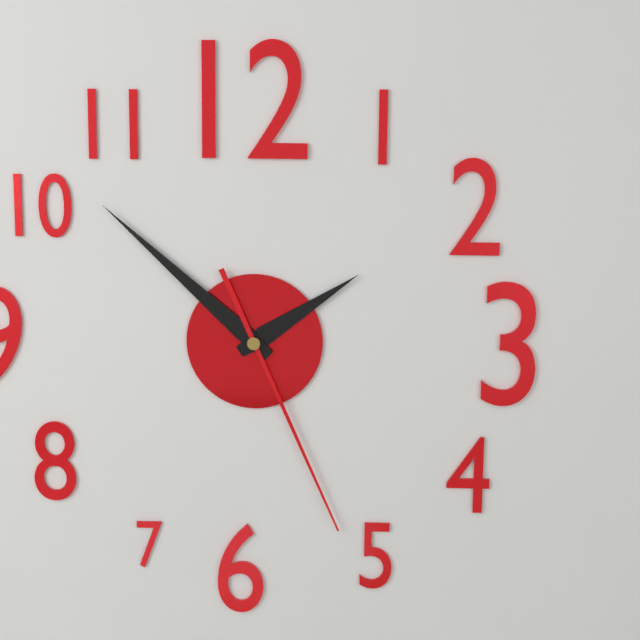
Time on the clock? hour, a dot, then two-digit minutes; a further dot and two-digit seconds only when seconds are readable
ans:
1.52.26
